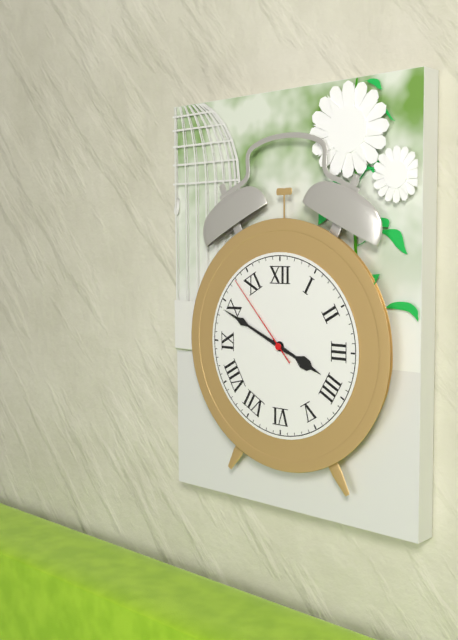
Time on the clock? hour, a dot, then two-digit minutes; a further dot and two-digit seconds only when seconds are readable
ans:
3.49.53
